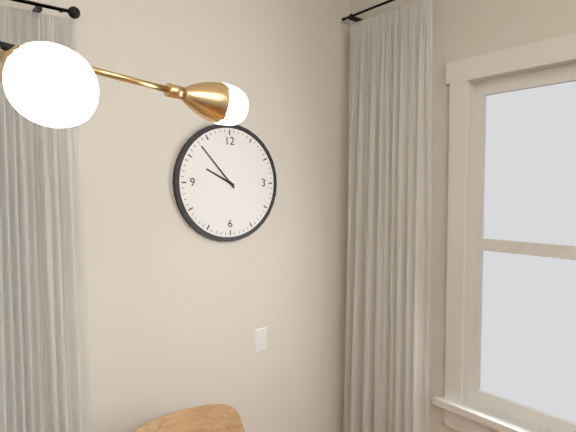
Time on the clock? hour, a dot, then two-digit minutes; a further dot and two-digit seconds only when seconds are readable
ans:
9.53
